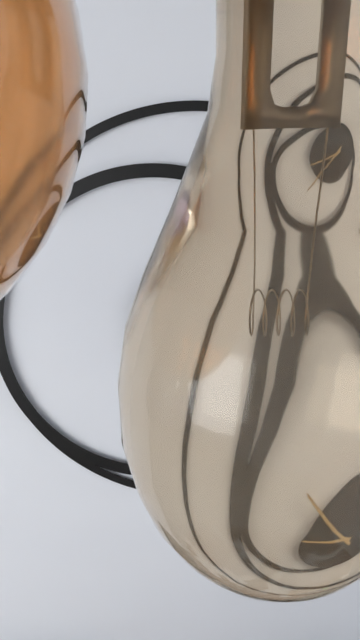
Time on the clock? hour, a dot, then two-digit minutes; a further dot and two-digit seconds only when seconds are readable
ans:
3.22
